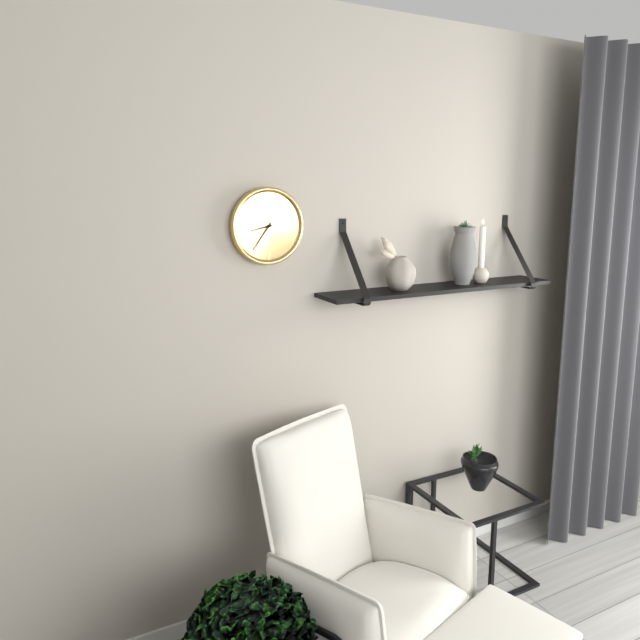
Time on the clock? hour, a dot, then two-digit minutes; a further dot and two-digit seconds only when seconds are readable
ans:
8.36
